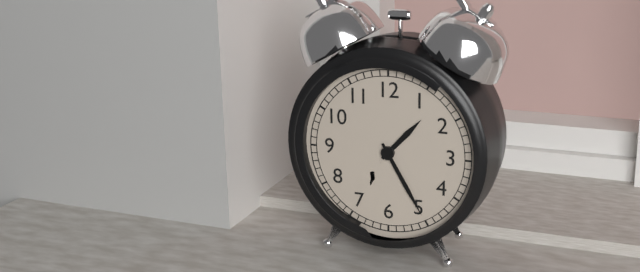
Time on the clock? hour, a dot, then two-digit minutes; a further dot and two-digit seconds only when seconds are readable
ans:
1.25
